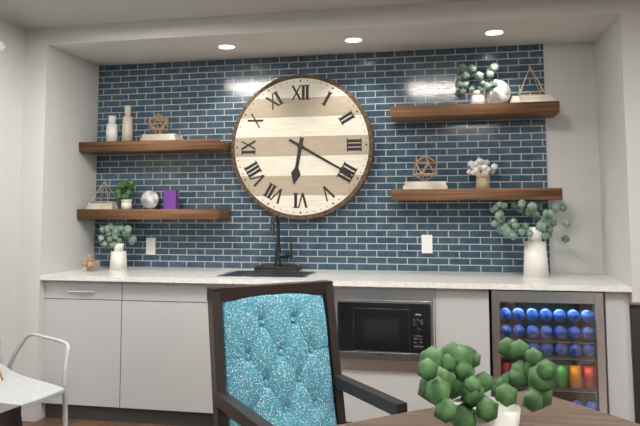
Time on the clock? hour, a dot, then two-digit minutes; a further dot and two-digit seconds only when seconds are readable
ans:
6.20
